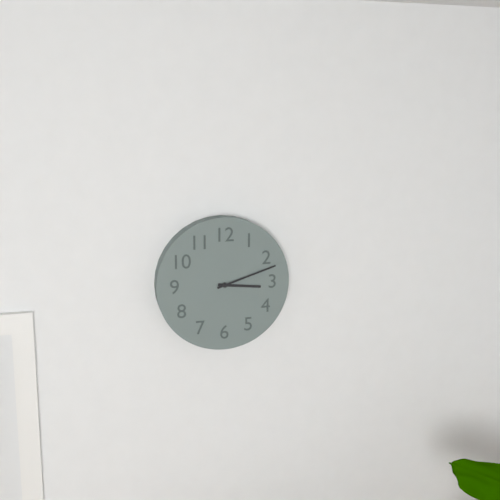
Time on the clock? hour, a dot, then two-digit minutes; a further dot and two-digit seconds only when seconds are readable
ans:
3.12
